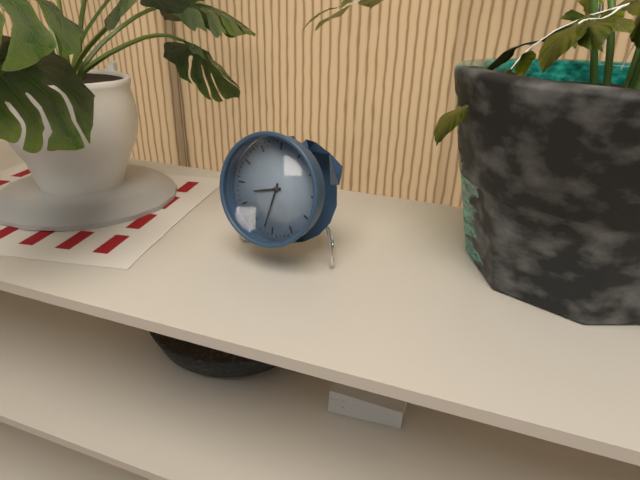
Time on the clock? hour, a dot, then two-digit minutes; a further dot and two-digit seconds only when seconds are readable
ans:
8.32
